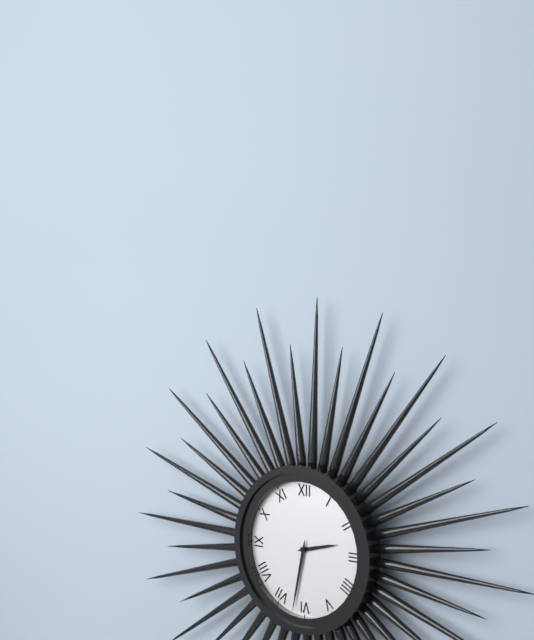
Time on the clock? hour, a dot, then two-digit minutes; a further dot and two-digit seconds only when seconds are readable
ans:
2.32
